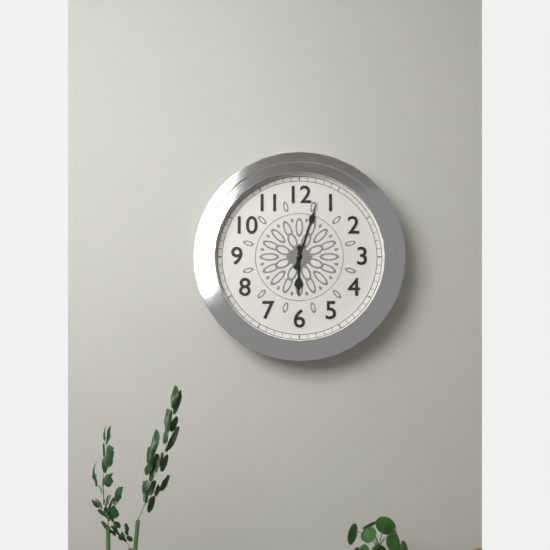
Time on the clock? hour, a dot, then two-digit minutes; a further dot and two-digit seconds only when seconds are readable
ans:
6.03
